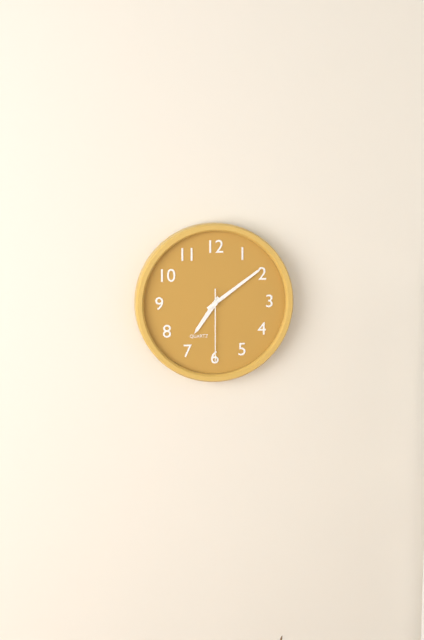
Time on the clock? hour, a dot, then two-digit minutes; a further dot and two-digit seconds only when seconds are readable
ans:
7.09.30
